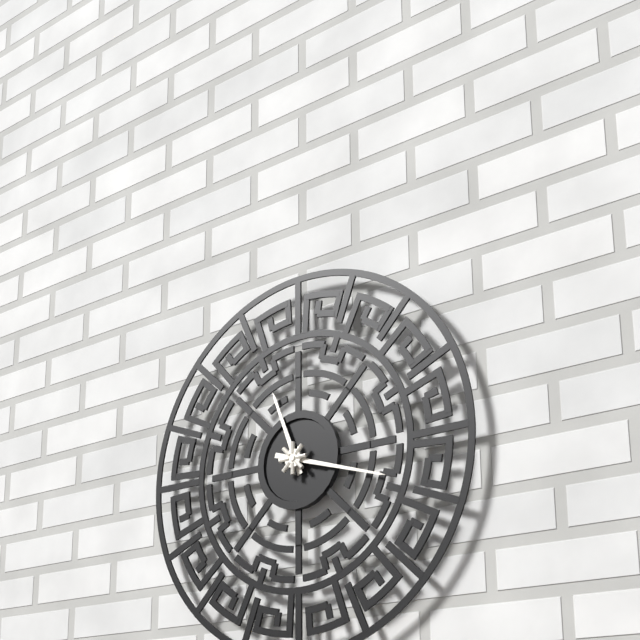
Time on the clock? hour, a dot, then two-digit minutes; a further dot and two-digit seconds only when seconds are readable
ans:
11.18
